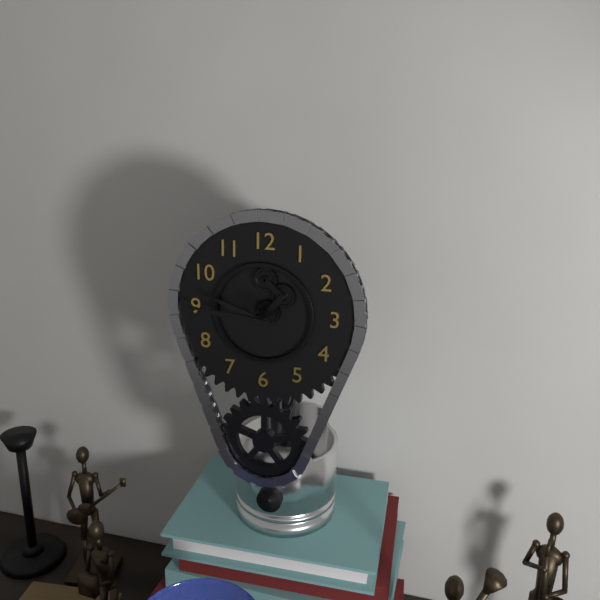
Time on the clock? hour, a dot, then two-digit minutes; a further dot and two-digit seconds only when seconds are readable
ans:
9.46
